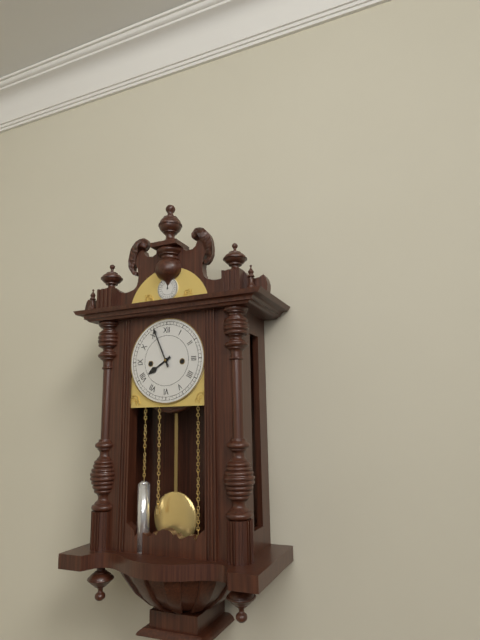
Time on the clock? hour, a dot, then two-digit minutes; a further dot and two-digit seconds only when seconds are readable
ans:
7.56
